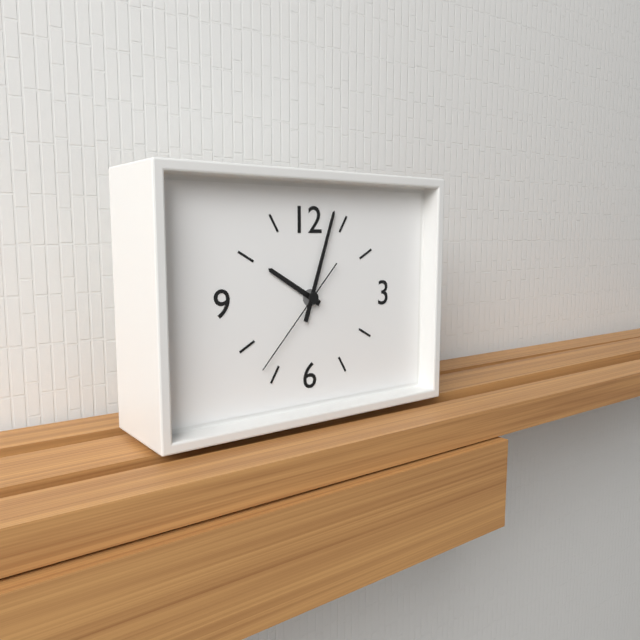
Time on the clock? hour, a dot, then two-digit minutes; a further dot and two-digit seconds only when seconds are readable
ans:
10.03.37
